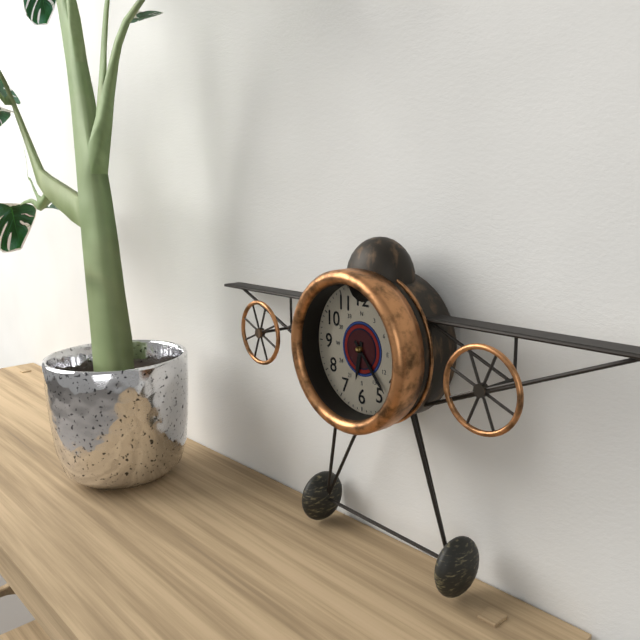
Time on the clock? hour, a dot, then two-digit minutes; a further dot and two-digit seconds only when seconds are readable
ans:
6.23
